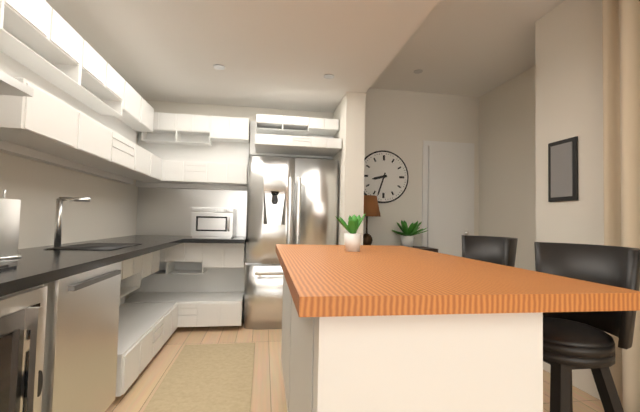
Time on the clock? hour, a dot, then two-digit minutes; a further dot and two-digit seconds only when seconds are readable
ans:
8.33
